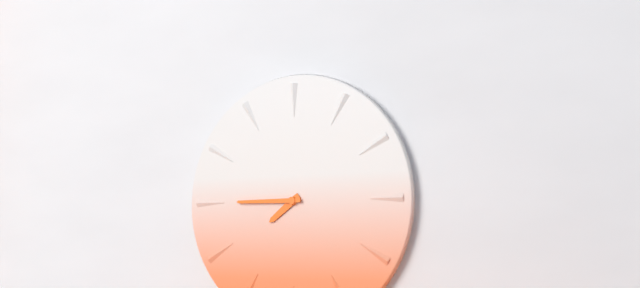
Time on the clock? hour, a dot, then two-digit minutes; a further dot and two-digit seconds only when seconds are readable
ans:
7.45
